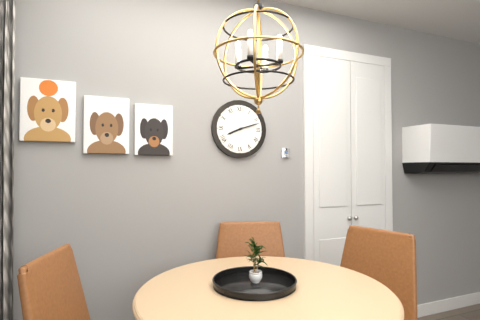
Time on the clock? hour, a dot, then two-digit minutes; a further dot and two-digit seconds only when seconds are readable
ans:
8.12
